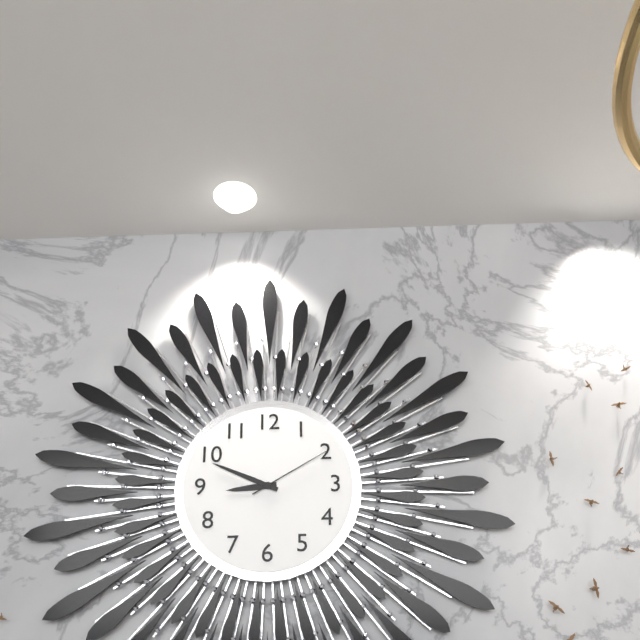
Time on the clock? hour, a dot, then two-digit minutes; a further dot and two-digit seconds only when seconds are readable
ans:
8.49.10
